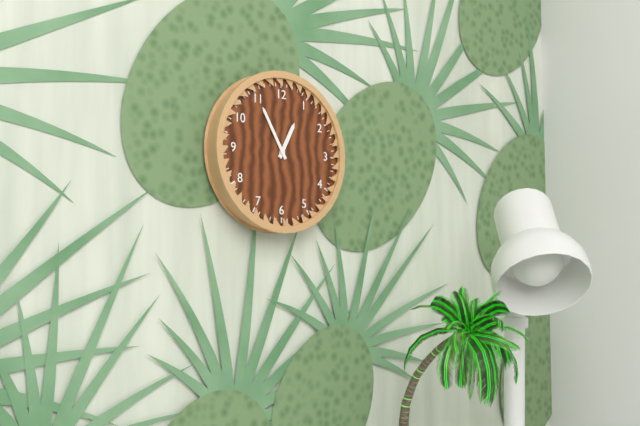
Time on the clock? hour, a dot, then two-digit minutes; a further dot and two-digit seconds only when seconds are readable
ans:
12.55
